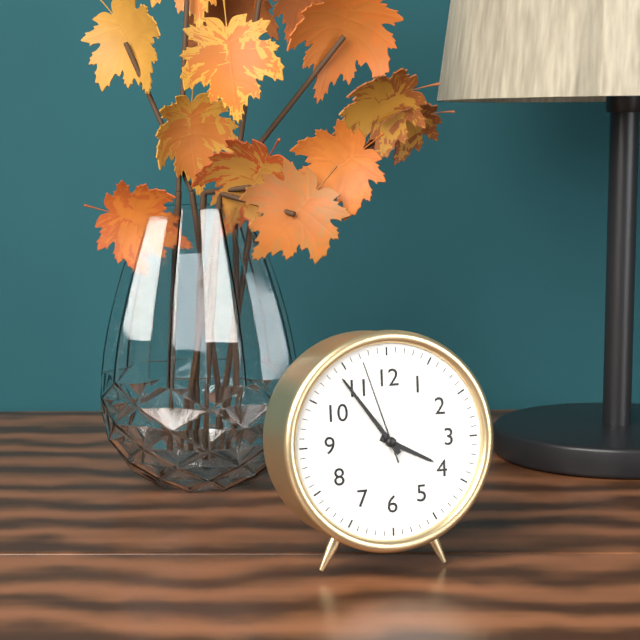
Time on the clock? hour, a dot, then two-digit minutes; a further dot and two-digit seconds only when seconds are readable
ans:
3.54.57
